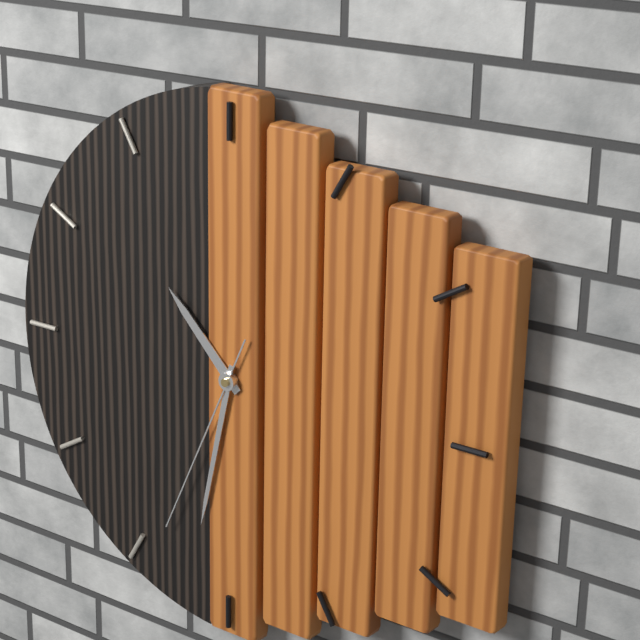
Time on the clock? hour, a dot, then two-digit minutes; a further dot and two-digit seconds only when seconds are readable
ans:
10.32.34
